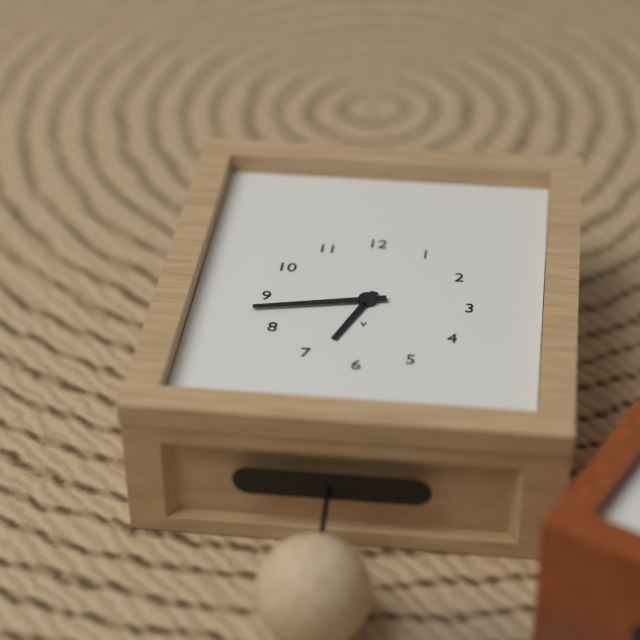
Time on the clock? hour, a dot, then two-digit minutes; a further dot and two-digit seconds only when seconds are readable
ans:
6.43
